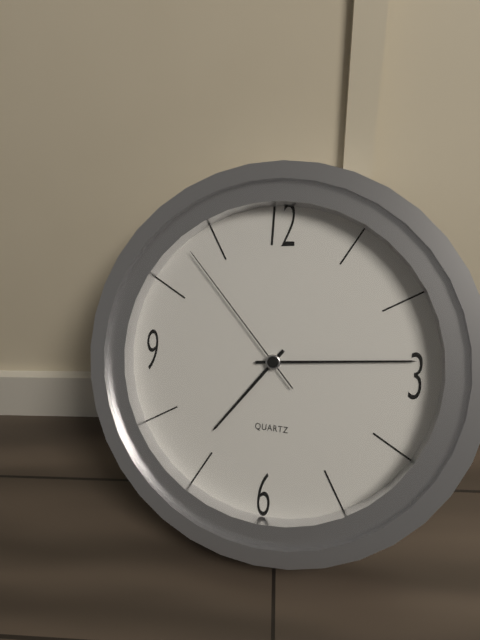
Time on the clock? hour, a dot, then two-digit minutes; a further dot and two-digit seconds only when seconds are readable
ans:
7.14.53
